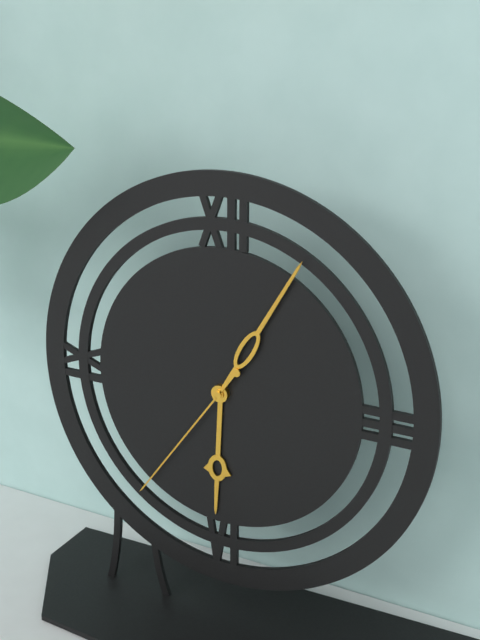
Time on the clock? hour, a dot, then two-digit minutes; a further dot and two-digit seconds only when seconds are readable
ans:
6.05.36
